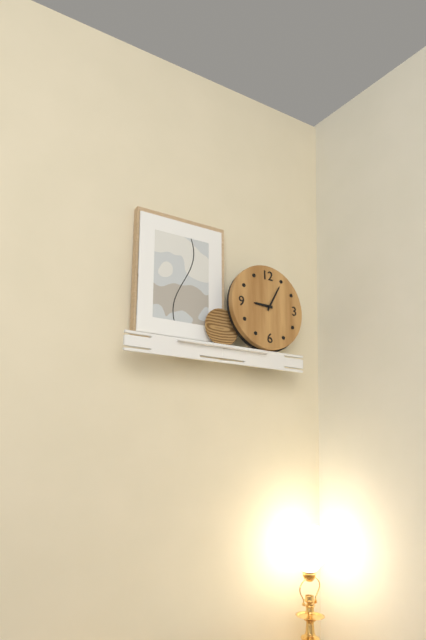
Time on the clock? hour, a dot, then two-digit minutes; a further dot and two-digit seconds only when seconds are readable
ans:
9.05
